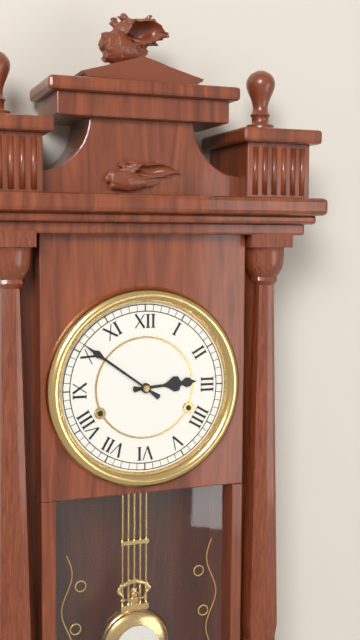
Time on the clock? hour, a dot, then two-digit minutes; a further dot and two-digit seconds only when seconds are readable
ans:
2.51
